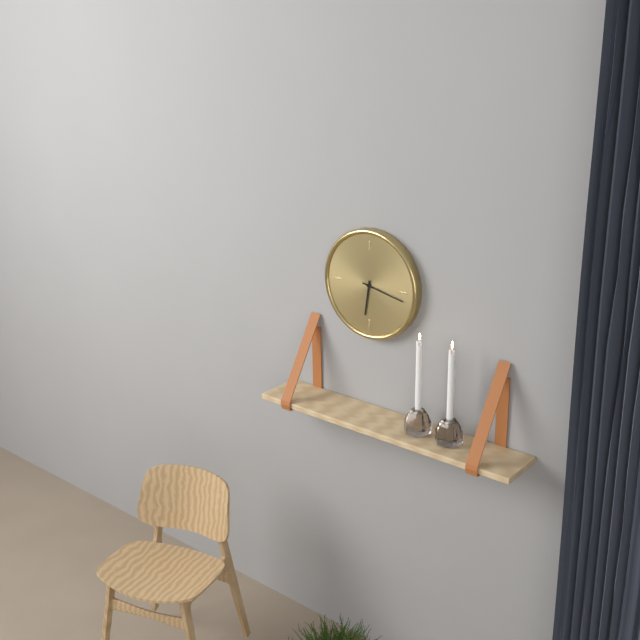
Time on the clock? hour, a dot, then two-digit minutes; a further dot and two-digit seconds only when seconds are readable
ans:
6.17
